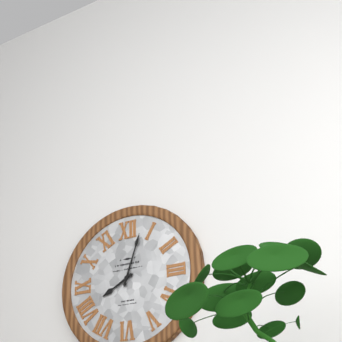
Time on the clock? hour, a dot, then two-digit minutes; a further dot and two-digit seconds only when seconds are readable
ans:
8.03
